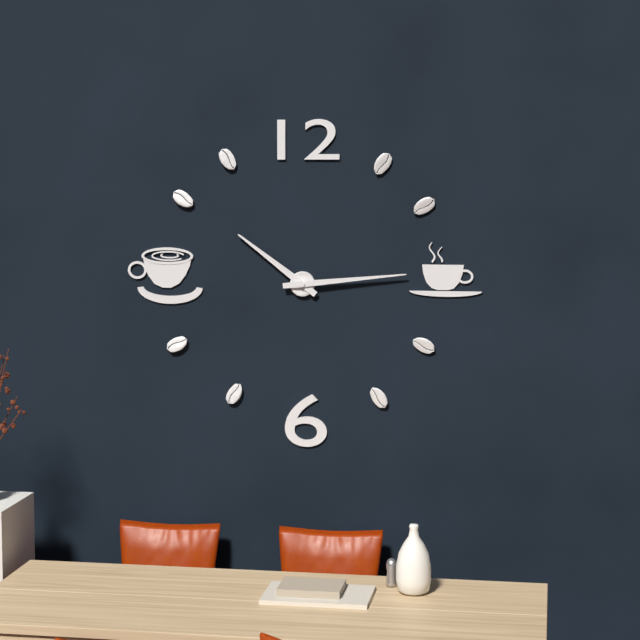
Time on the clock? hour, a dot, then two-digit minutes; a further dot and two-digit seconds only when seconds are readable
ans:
10.14
